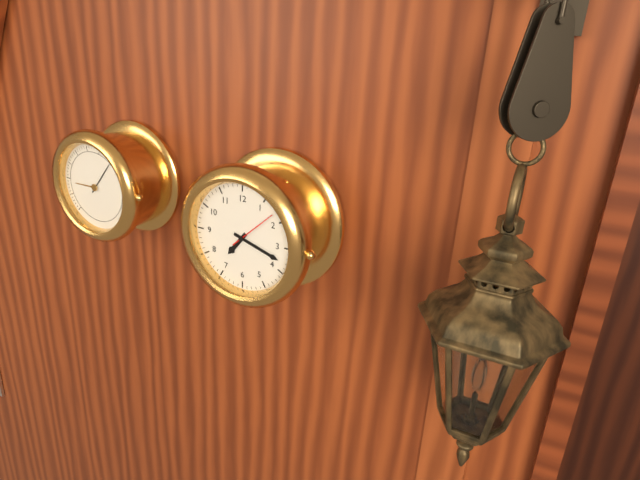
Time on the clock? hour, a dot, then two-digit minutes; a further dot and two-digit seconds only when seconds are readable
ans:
7.18
